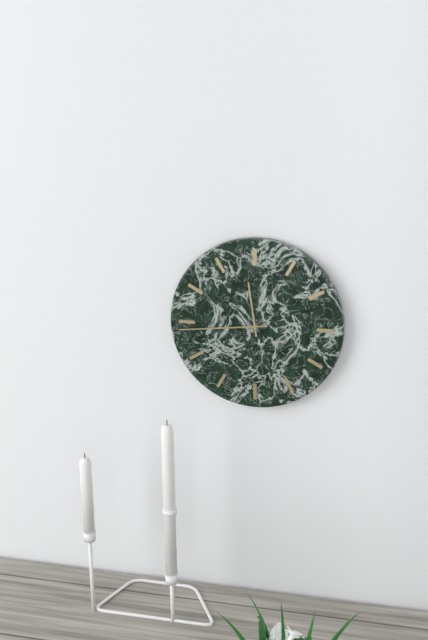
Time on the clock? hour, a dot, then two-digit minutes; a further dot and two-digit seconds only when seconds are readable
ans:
11.44
